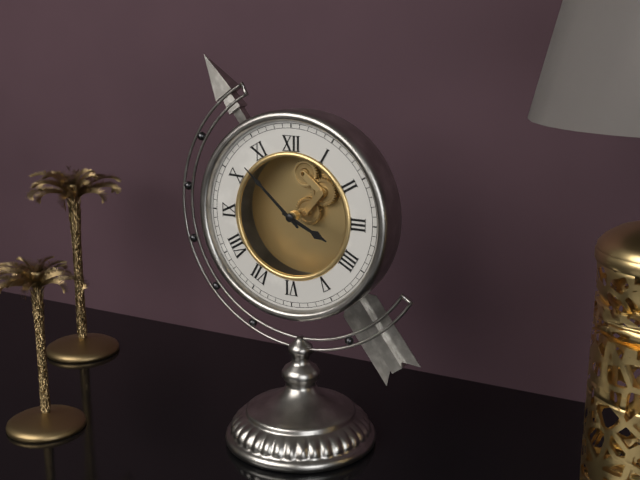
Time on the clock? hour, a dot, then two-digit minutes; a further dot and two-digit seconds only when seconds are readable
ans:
3.52
